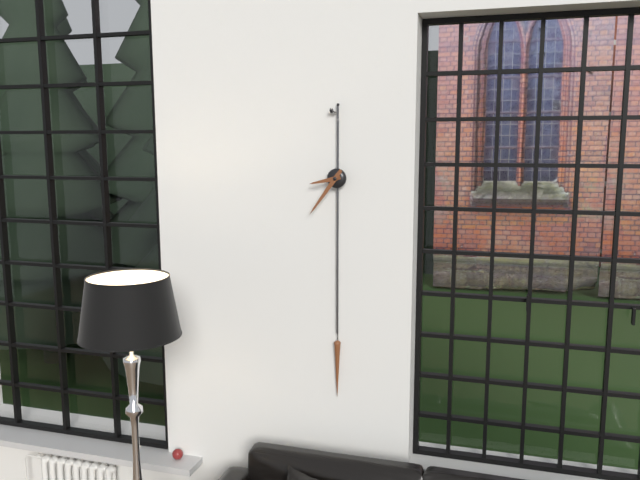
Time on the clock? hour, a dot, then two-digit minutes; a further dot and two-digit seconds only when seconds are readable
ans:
8.36
